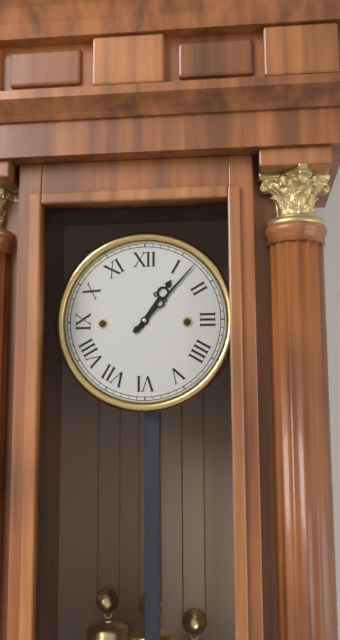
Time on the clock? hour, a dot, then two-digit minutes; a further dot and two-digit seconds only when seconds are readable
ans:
1.07
